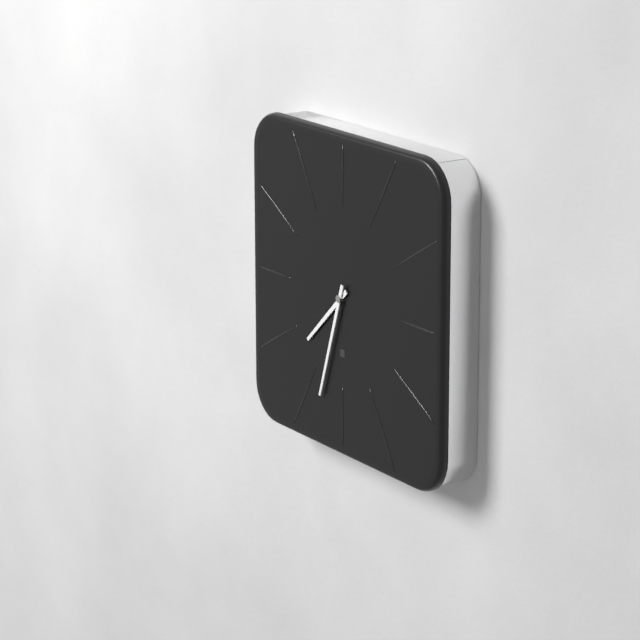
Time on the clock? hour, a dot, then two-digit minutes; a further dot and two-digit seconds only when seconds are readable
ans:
7.33
